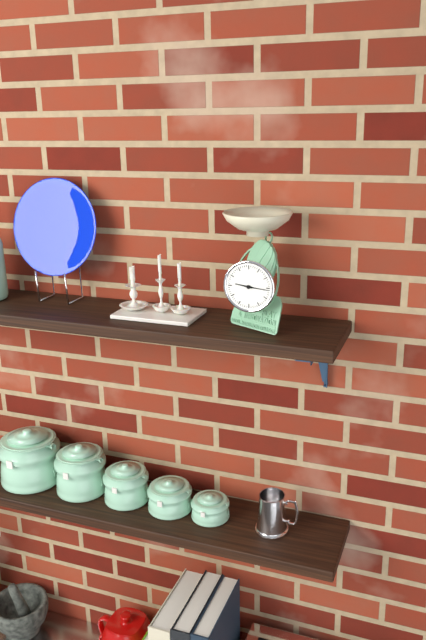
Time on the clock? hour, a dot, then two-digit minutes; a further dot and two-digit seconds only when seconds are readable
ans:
9.16
